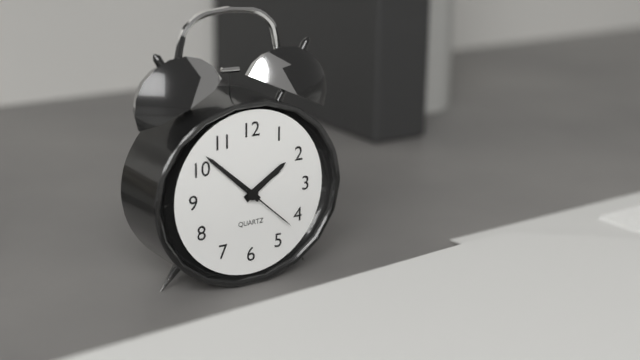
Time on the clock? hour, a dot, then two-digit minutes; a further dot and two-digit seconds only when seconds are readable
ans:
1.52.22
